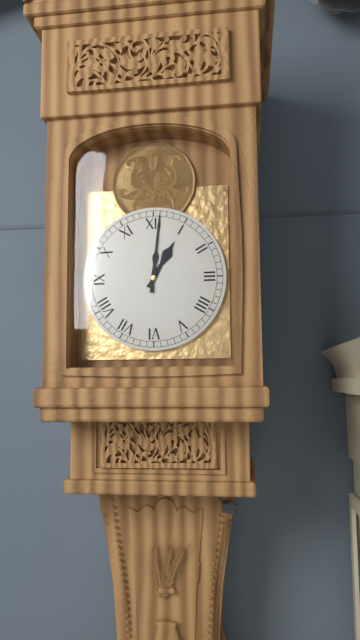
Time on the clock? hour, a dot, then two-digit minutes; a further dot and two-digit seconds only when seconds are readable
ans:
1.01
